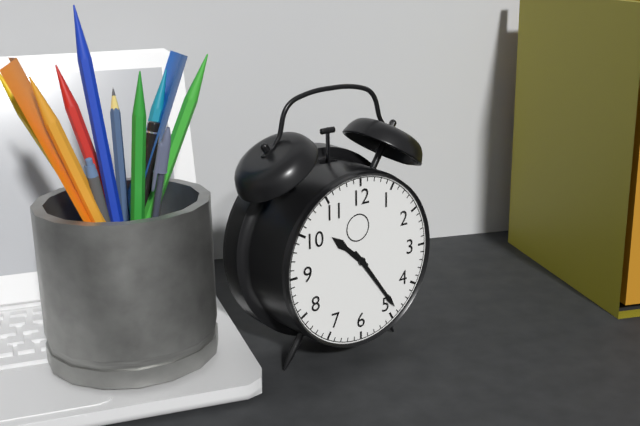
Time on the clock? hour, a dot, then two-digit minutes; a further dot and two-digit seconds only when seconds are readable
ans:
10.24
